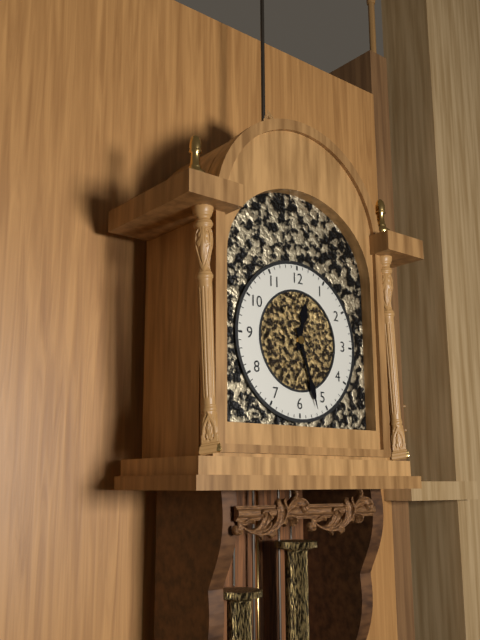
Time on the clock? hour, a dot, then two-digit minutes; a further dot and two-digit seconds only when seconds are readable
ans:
12.27
